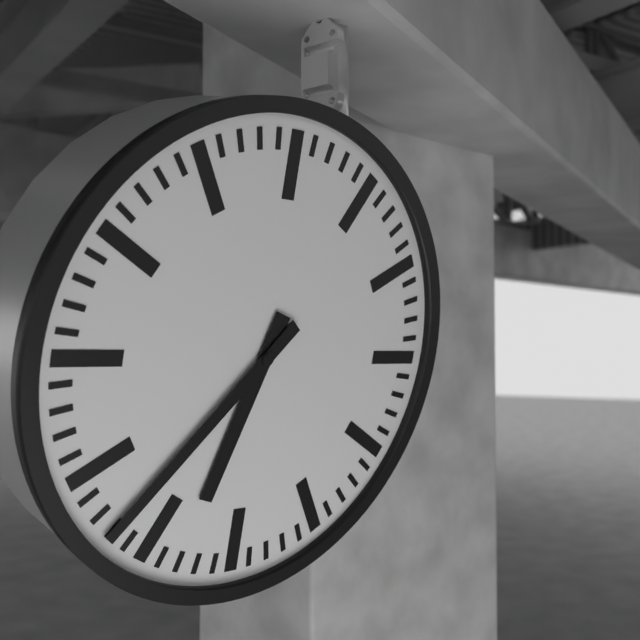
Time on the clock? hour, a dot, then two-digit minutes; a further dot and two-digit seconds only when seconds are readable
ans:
6.37
